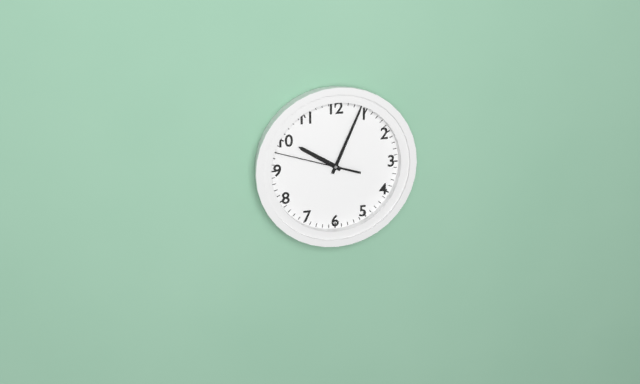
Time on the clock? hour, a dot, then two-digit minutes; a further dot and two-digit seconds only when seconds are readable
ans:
10.04.48
